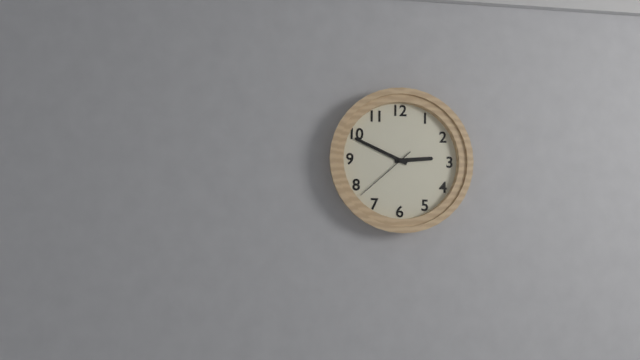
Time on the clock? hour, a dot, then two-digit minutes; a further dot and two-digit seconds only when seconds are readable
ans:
2.49.38
